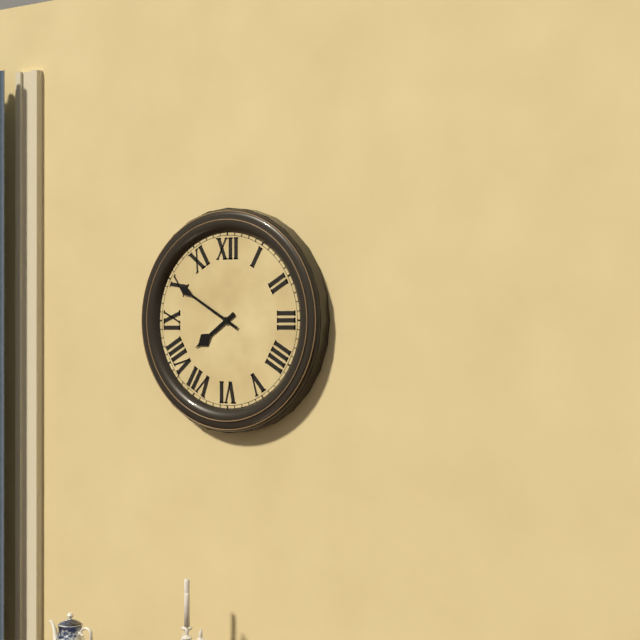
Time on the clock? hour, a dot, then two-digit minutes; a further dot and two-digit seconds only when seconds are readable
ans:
7.50
